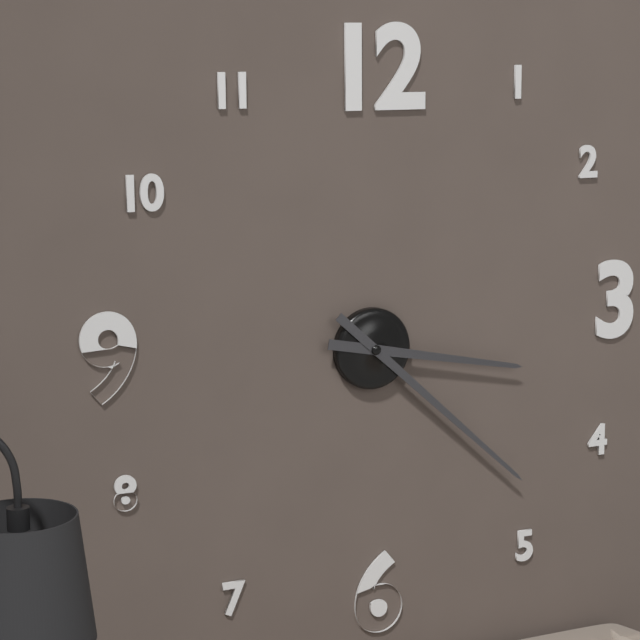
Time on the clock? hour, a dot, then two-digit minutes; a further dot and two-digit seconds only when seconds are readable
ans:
3.22
